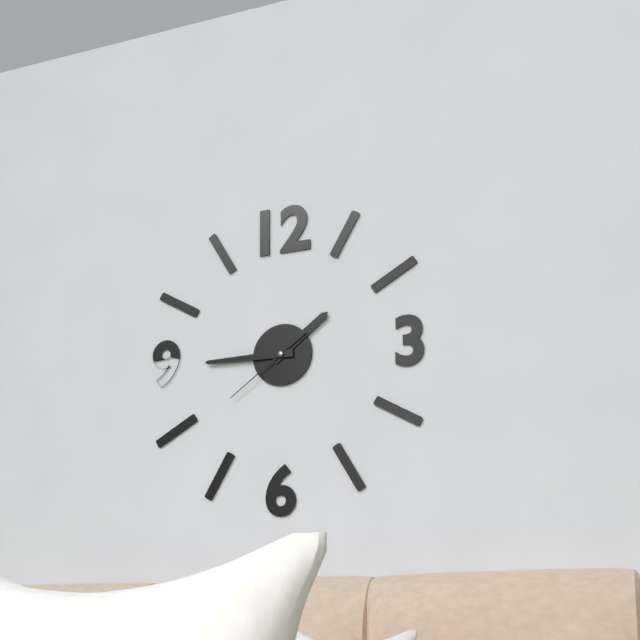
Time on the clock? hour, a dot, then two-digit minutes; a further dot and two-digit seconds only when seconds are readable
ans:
1.45.39
